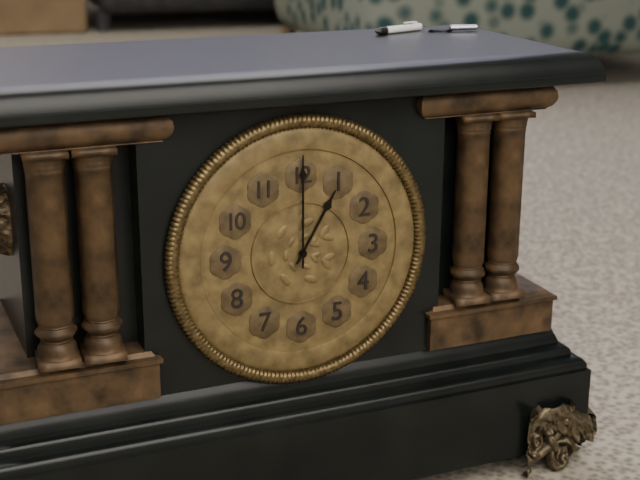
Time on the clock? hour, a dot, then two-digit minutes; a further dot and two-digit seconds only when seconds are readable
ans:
1.00
